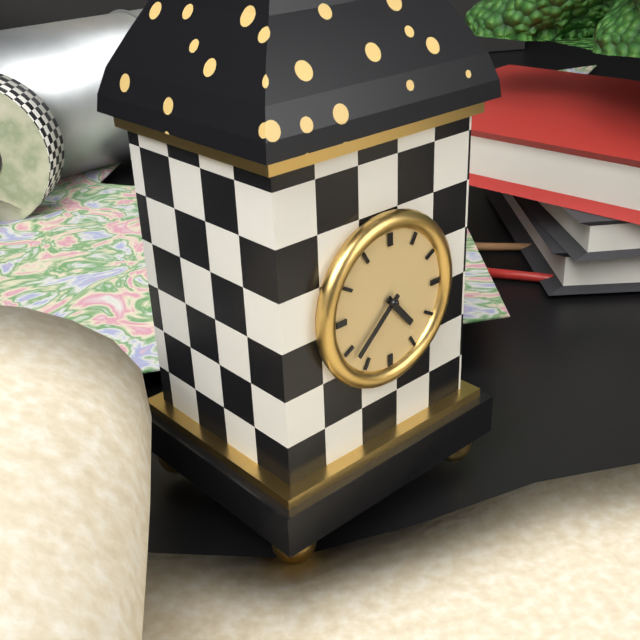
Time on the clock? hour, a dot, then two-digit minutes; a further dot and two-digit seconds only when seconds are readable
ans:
4.38
